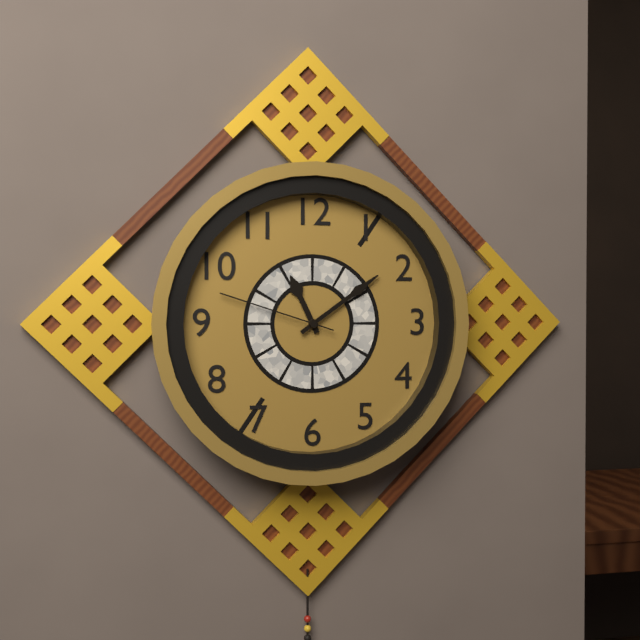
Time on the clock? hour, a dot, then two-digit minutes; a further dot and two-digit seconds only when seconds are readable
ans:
11.09.48
